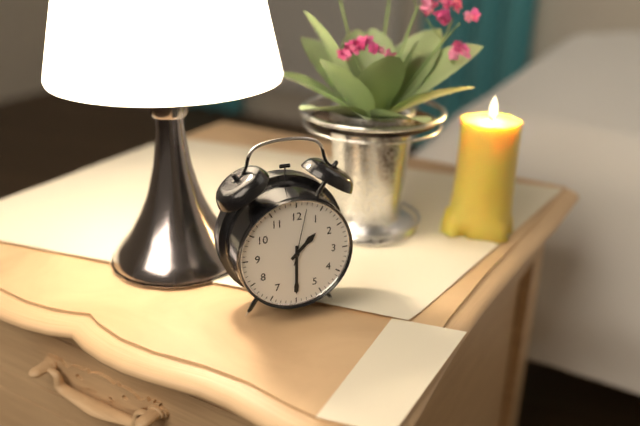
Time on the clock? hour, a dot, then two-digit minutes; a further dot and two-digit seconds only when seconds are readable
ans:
1.30.02
